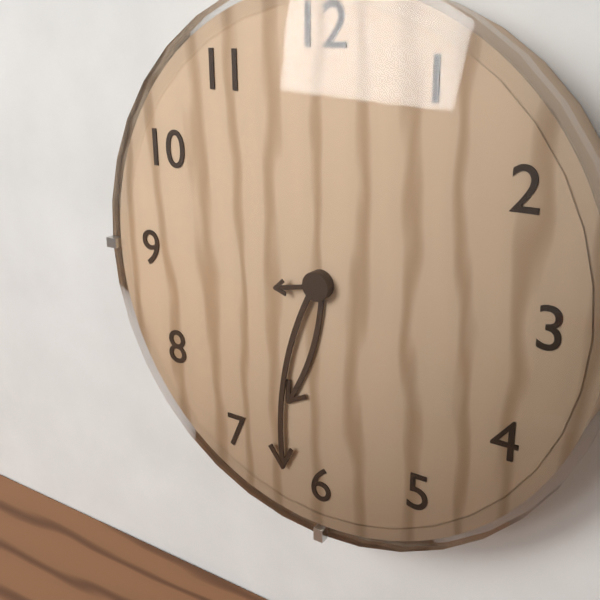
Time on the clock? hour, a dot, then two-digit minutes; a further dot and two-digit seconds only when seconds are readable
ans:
6.32.43
